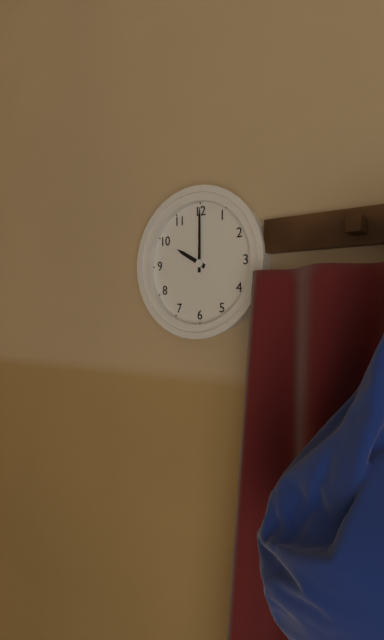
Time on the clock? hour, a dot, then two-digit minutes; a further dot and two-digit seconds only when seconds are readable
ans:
10.00
